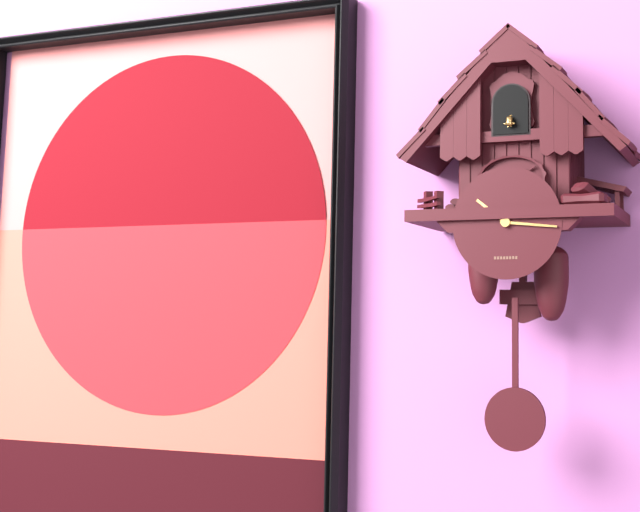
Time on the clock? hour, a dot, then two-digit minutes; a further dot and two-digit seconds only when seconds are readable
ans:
10.16
